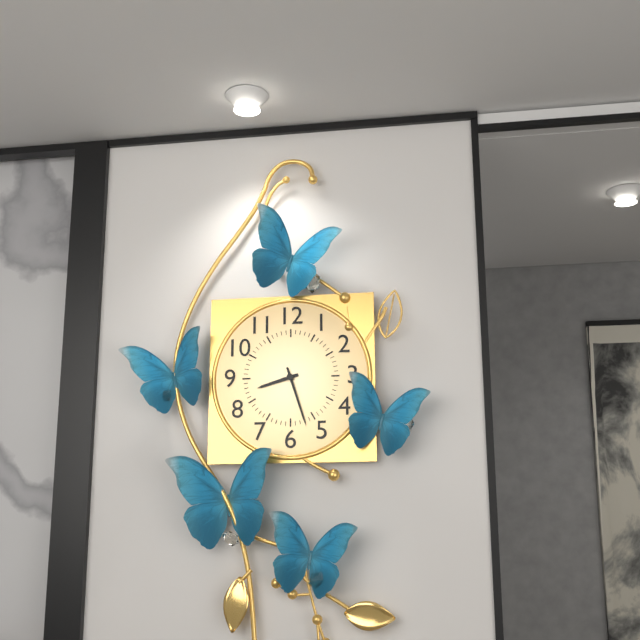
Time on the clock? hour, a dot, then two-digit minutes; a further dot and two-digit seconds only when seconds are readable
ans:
8.27
